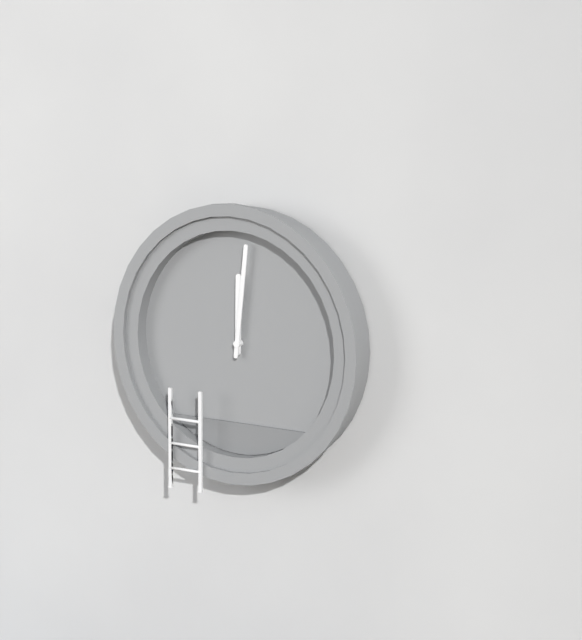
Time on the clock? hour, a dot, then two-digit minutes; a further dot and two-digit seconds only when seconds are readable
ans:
12.01
